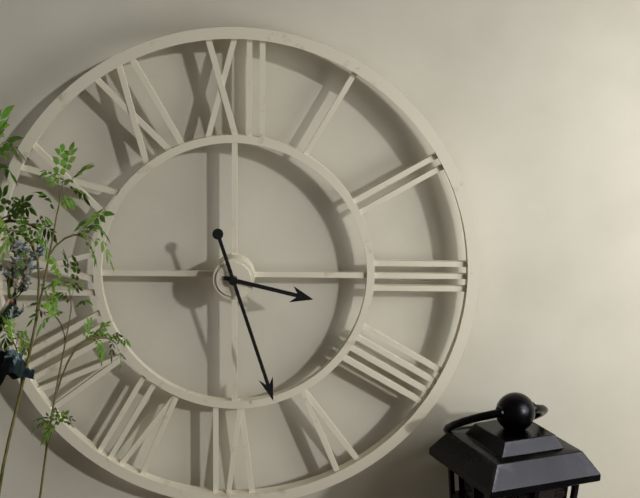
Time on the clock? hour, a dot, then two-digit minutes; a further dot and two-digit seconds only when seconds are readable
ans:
3.27
